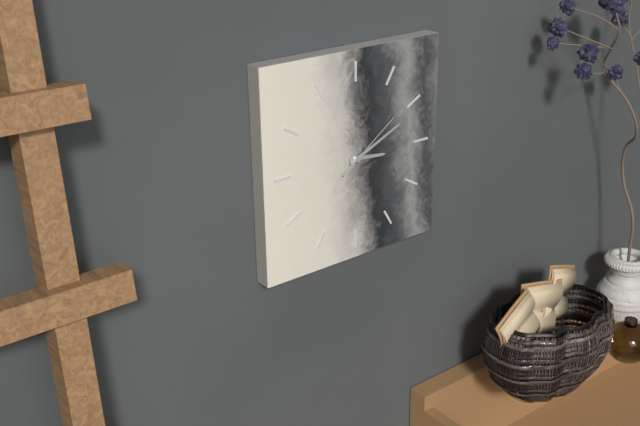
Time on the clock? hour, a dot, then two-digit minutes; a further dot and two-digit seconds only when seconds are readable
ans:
3.11.09
